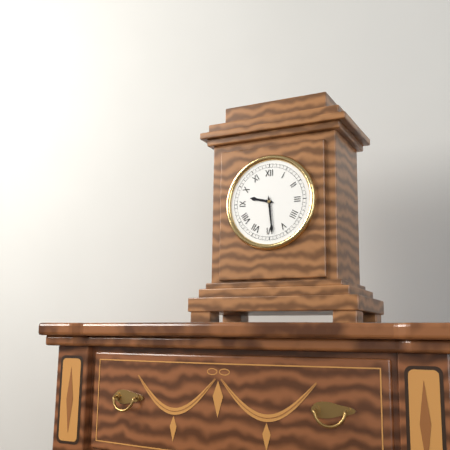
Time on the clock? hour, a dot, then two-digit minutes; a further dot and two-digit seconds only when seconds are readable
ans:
9.29
